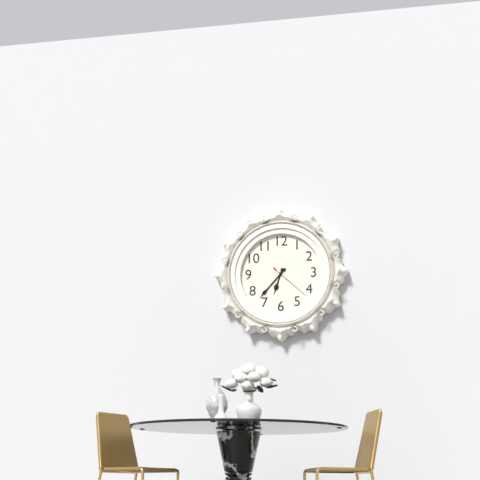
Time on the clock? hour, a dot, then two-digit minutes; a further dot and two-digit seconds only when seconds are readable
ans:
6.37
